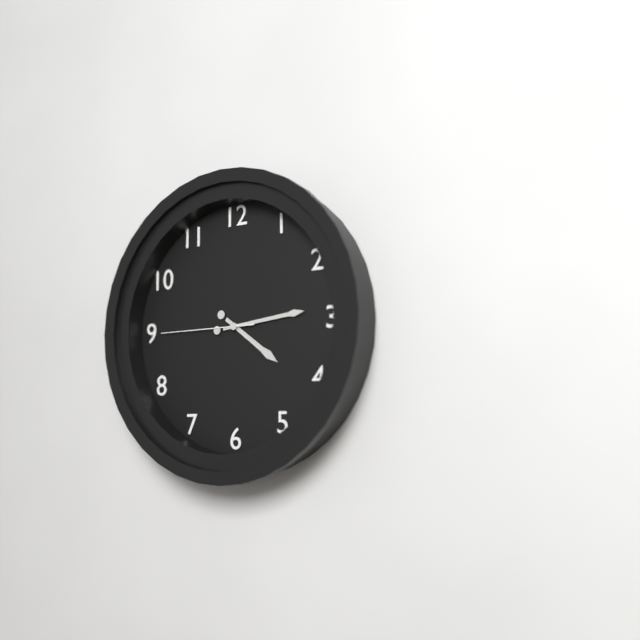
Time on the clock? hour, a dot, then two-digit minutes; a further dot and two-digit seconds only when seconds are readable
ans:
4.14.45
